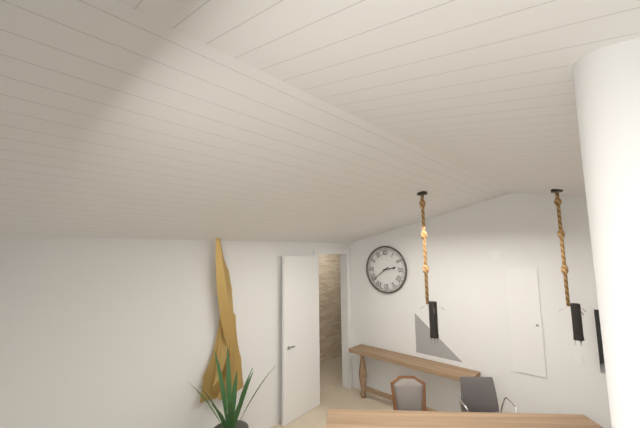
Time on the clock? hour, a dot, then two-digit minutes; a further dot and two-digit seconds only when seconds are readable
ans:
2.39
